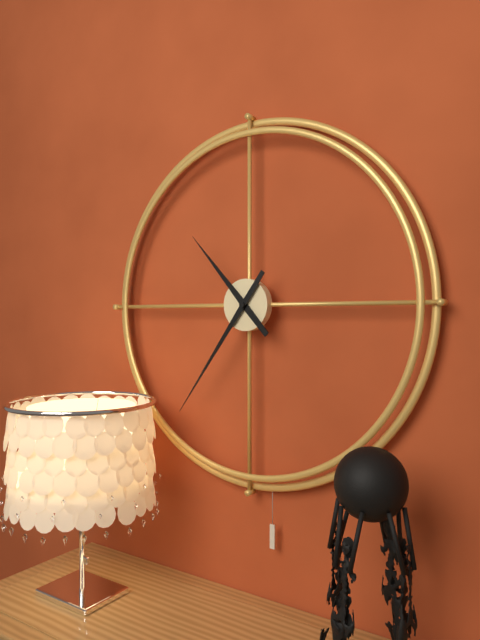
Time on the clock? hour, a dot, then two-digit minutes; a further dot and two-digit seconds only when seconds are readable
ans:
10.36
